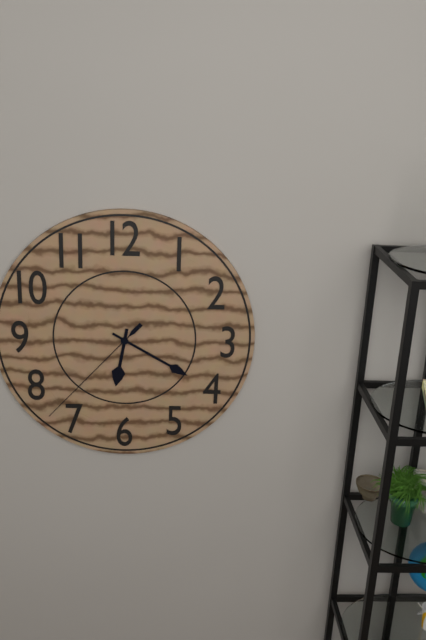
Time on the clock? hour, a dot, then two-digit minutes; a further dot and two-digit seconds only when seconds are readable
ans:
6.20.37
